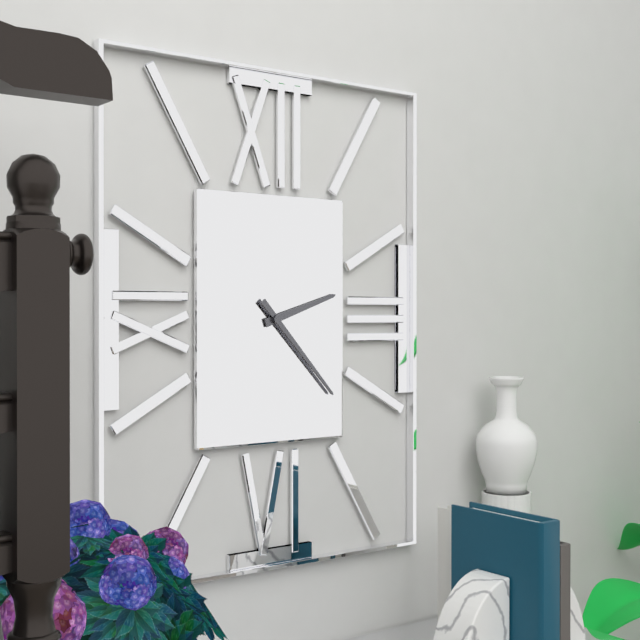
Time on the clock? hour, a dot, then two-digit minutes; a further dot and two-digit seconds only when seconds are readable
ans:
2.23
